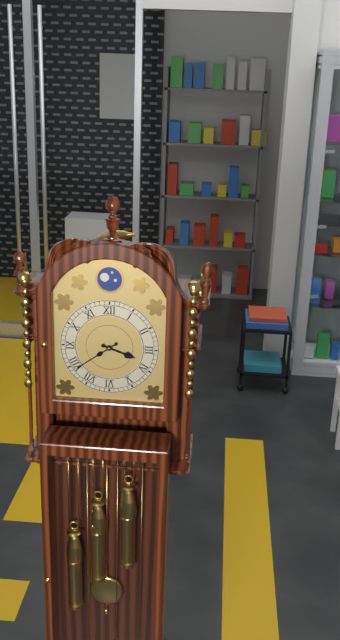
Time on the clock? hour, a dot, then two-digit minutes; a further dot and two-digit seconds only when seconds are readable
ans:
3.39
